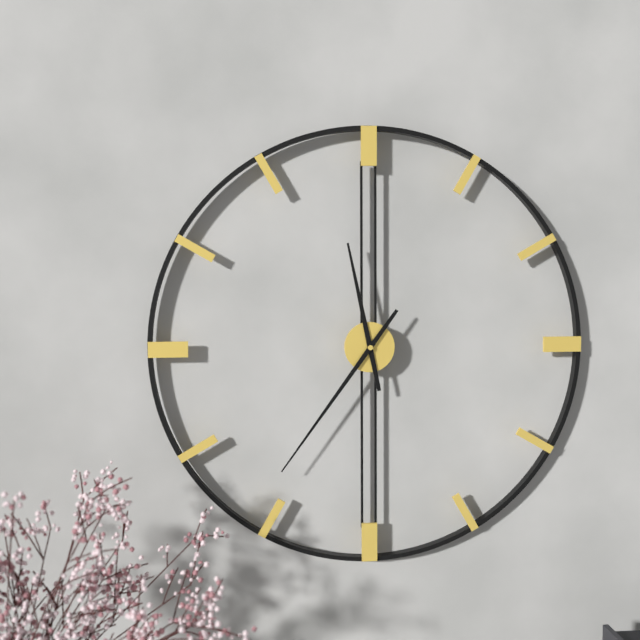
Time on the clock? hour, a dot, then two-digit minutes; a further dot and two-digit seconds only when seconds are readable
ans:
11.36
